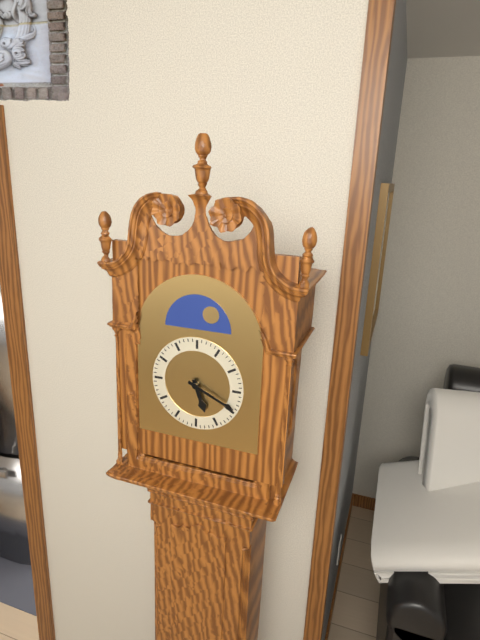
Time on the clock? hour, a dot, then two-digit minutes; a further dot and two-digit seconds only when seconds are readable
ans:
5.19
